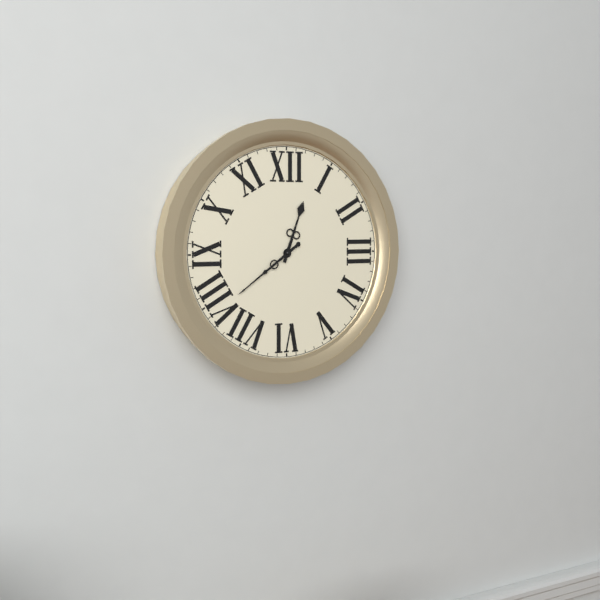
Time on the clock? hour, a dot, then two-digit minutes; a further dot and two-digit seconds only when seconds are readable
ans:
12.39
